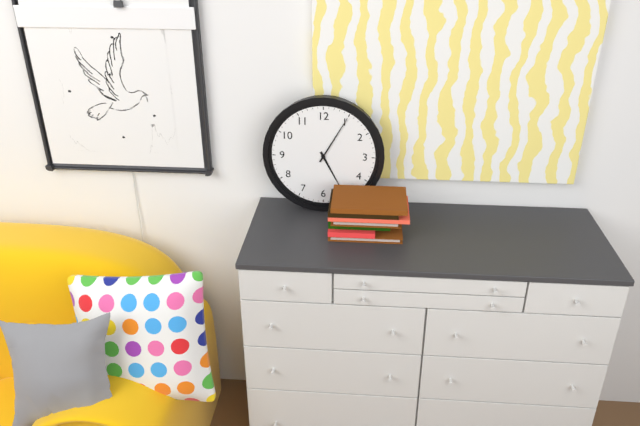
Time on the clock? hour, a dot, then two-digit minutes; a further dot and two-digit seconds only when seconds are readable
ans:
5.05
